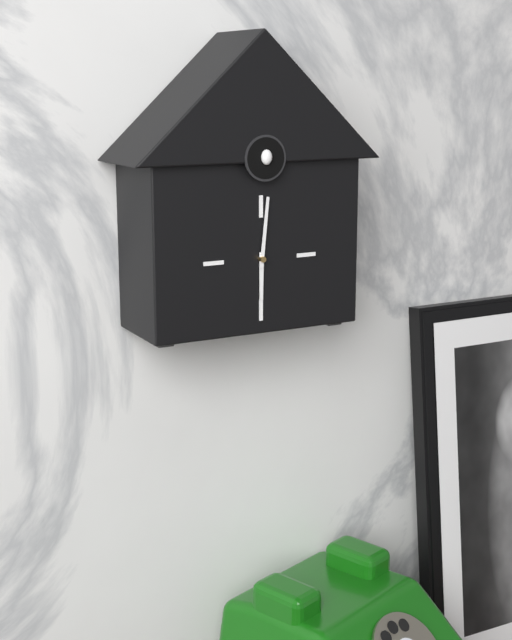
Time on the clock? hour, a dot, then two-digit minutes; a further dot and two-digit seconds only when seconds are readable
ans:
6.01
